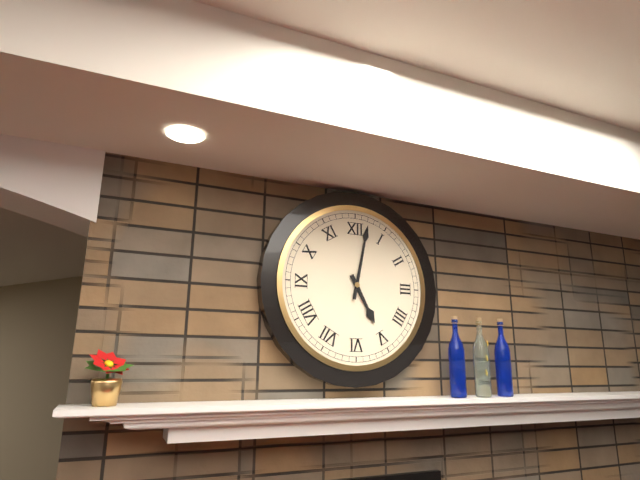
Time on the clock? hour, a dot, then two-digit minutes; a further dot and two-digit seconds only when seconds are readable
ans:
5.02
